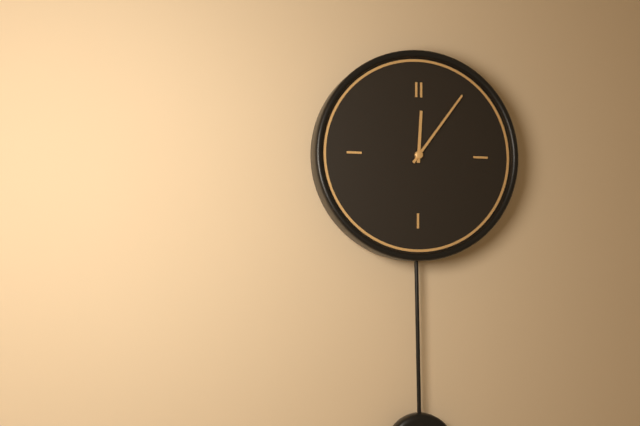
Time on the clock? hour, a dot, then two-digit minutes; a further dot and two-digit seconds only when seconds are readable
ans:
12.06
